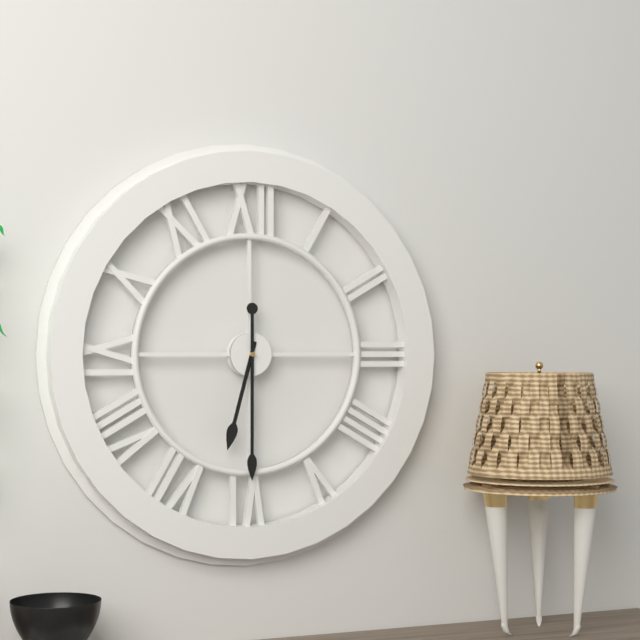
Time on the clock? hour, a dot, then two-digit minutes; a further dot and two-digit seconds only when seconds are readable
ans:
6.30
